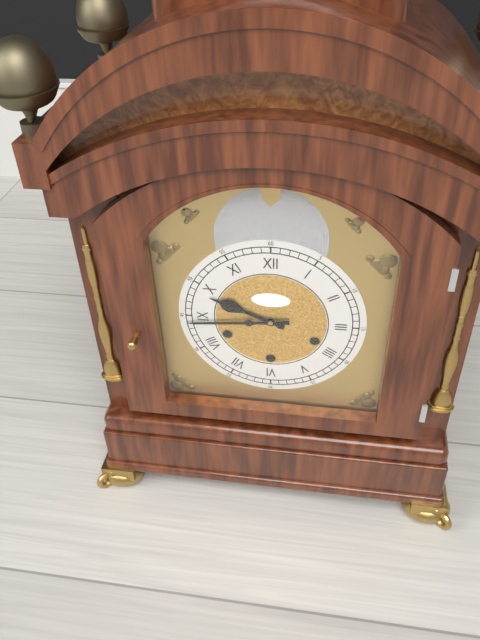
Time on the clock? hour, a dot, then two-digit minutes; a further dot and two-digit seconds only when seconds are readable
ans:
9.44
